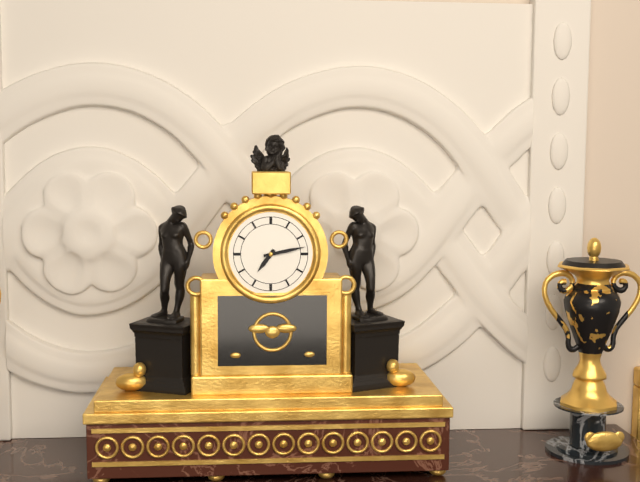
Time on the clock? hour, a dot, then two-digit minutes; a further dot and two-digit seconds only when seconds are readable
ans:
7.13
